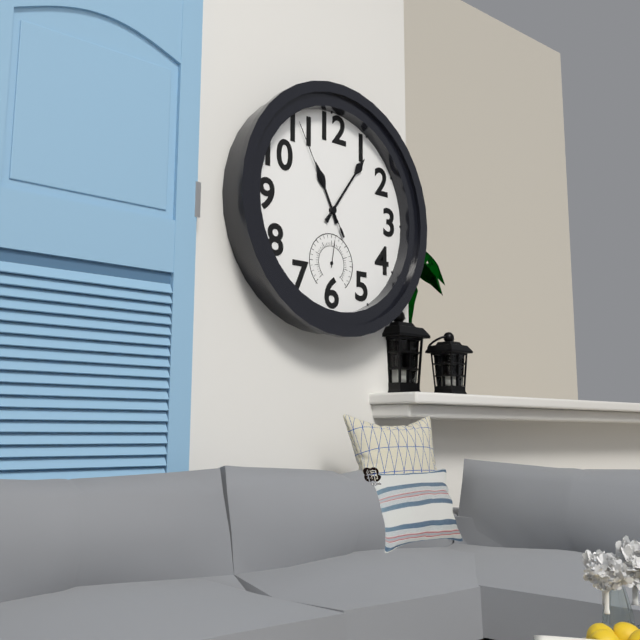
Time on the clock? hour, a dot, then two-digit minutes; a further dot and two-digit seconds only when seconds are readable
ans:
11.06.55
